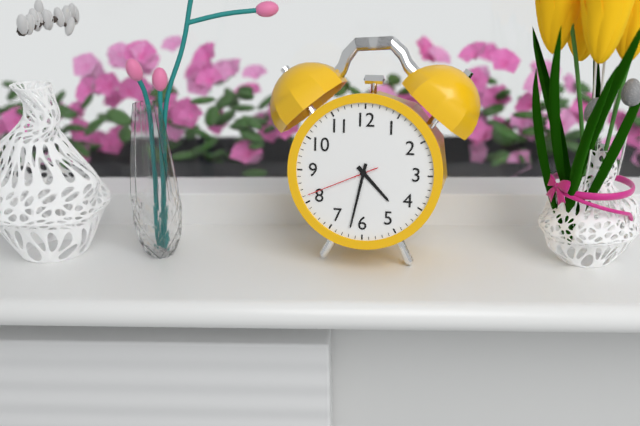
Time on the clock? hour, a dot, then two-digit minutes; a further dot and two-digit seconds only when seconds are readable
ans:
4.32.41
